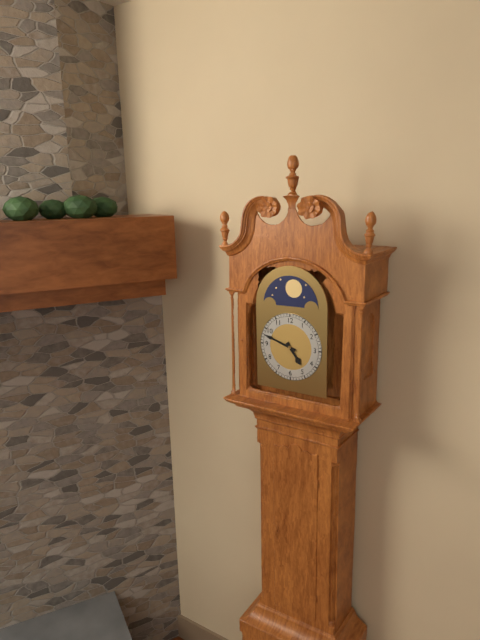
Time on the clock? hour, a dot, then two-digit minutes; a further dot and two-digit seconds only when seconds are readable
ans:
4.48
